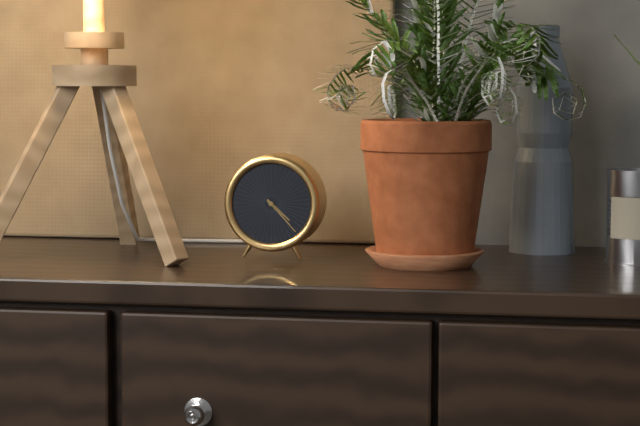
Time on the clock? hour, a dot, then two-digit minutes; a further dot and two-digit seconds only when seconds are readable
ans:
4.23
